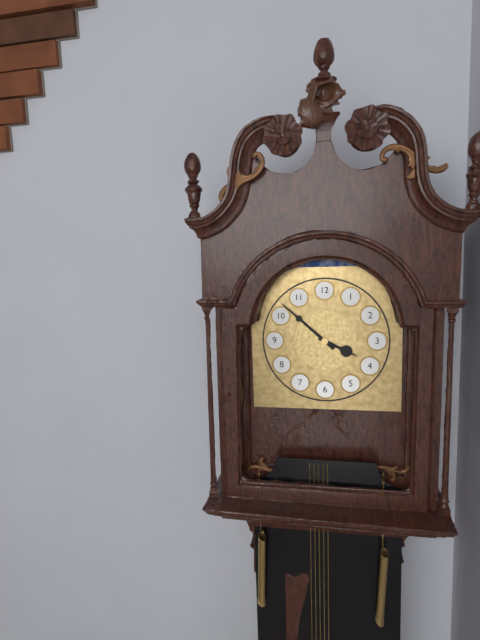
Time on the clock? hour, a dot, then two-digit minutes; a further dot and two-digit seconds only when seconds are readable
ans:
3.52
